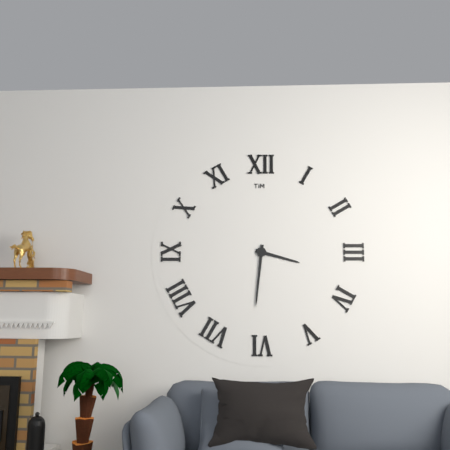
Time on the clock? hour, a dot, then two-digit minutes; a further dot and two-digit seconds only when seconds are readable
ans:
3.31
